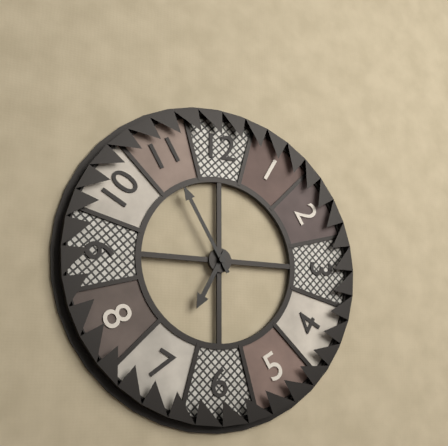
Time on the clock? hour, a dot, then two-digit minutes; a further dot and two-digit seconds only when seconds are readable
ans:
6.55
